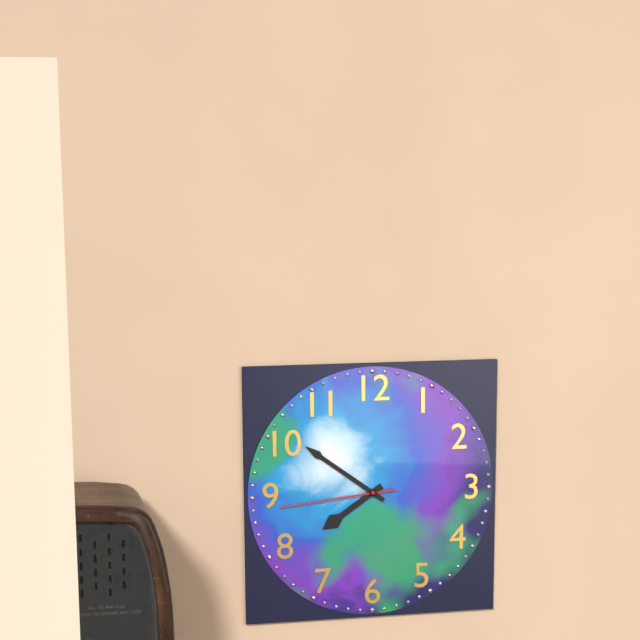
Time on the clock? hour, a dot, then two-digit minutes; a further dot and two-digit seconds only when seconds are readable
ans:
7.51.44
